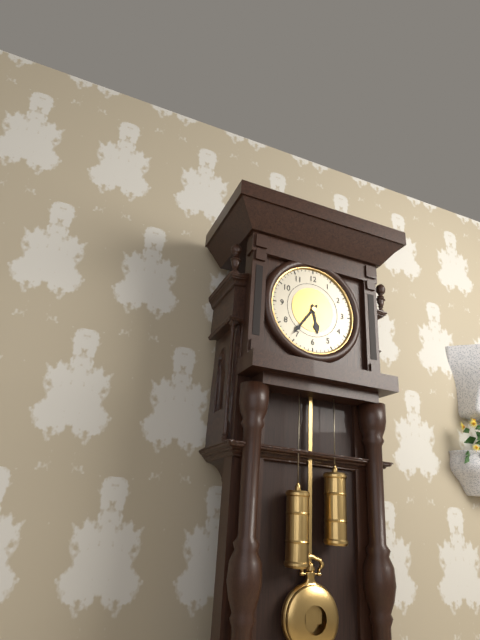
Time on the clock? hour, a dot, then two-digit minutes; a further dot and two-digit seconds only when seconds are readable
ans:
5.36
